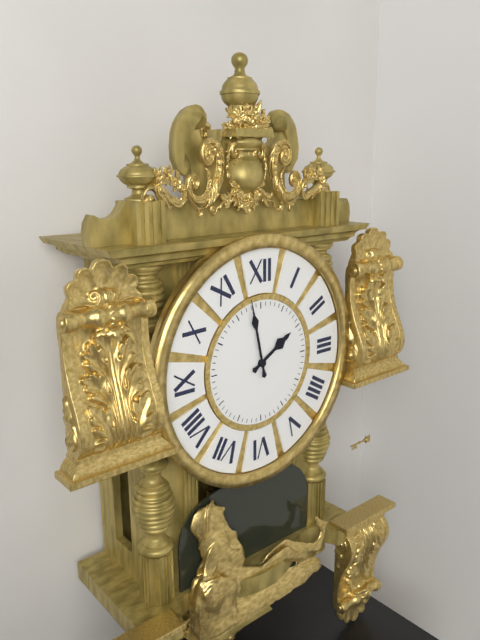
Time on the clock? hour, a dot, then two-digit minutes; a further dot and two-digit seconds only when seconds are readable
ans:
1.58
